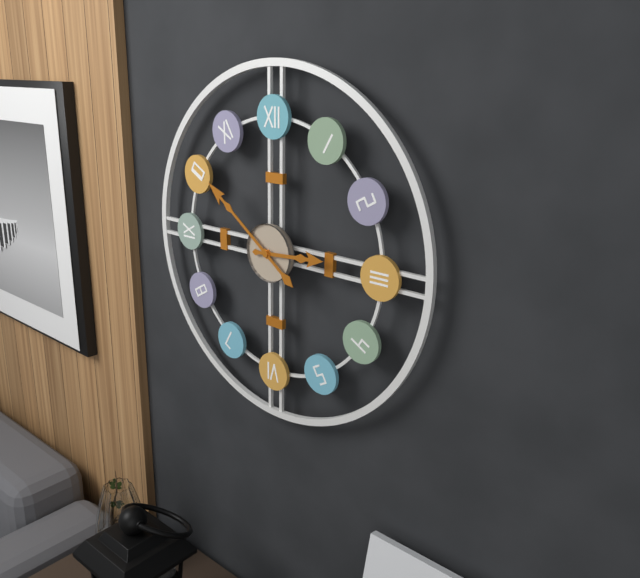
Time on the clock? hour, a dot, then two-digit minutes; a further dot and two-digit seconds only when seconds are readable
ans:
2.51
